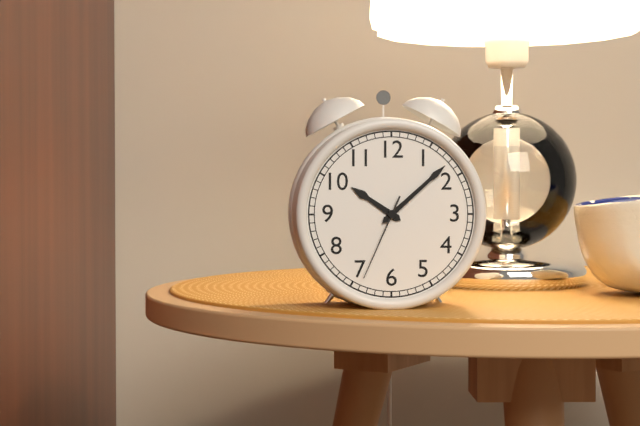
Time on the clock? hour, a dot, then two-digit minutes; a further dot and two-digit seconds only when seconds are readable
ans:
10.08.34
